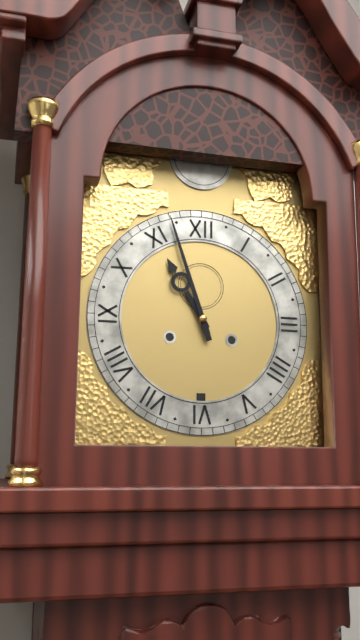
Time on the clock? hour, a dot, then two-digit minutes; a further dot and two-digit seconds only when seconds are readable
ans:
10.57
